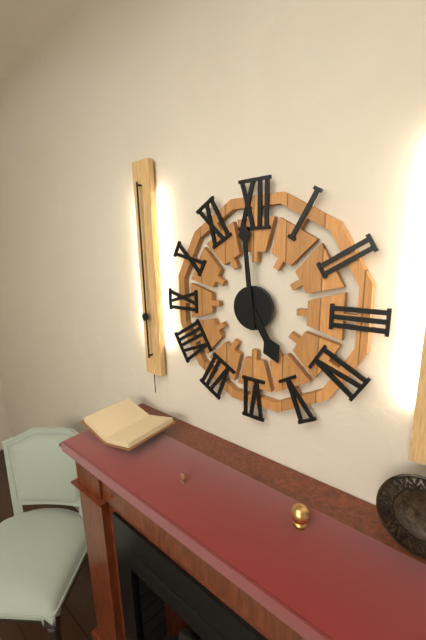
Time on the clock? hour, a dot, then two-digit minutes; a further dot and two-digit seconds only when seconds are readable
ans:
4.59
